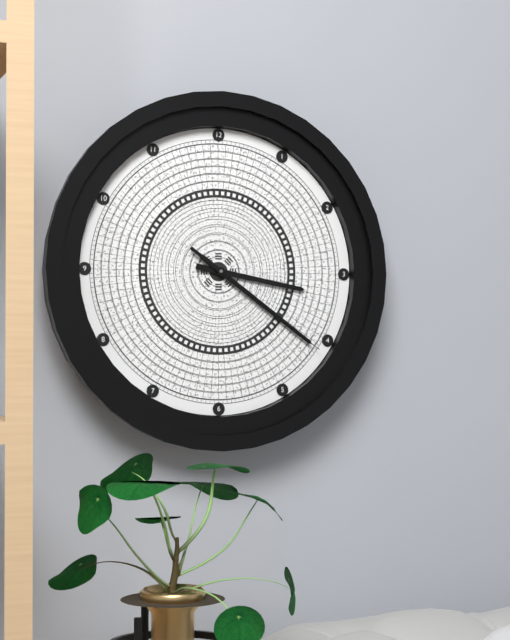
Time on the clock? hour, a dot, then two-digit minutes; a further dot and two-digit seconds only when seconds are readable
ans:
3.21.21
